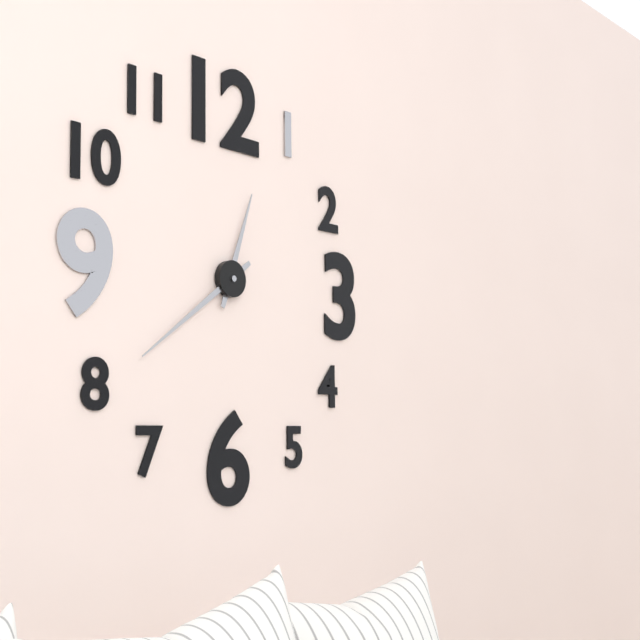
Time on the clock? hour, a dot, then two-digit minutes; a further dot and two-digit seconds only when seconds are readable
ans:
12.39
